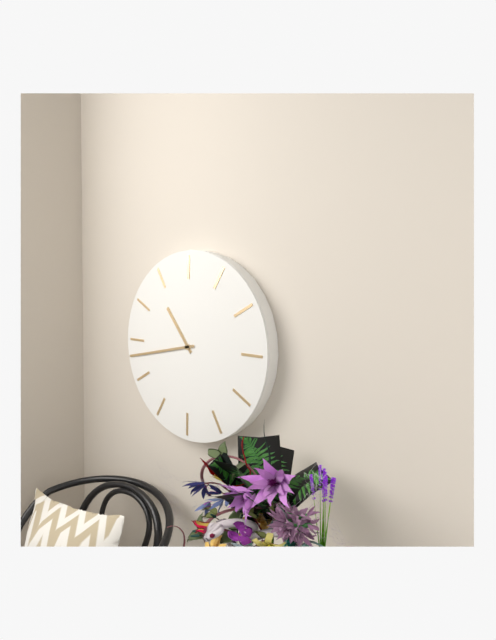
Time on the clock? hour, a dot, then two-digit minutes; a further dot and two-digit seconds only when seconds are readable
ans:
10.43
